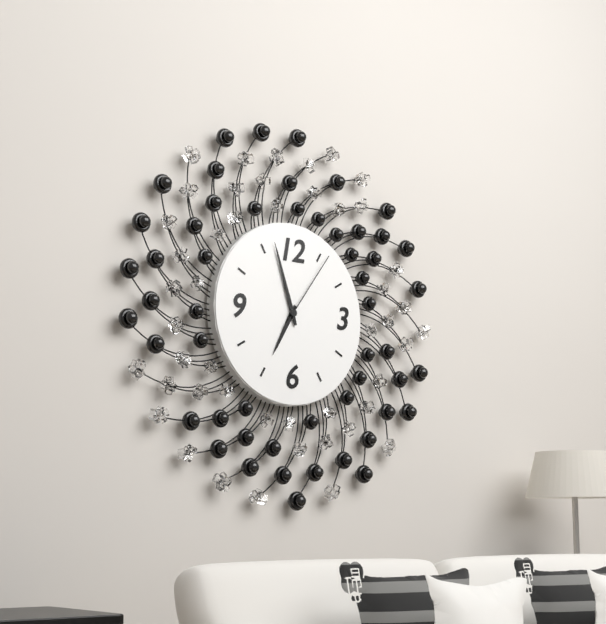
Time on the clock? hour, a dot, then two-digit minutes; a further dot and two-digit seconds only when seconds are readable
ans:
6.57.06
